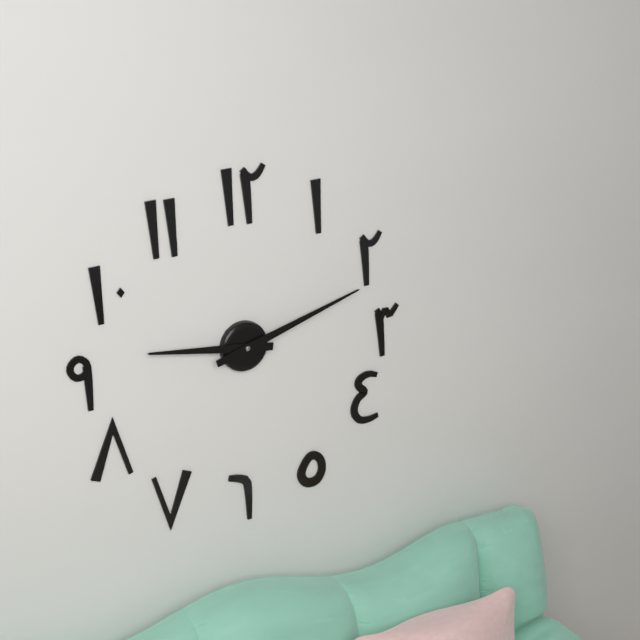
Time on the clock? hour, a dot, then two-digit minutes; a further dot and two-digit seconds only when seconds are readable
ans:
9.12
